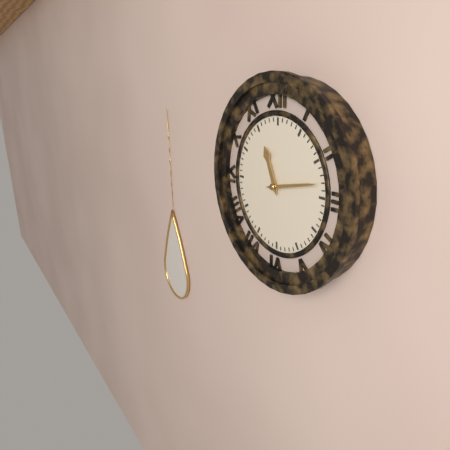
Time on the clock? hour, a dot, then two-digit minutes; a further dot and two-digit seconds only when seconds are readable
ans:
11.13
